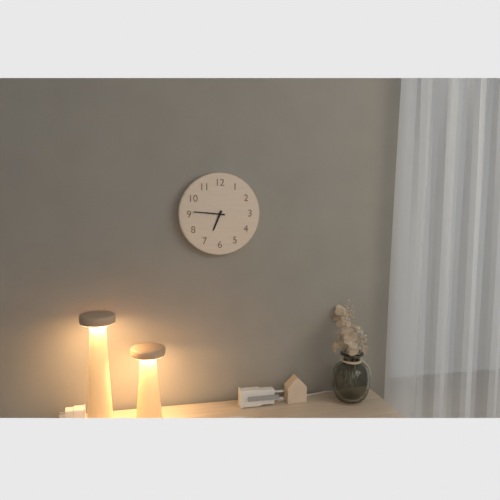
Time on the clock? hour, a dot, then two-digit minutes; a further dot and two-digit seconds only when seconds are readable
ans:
6.46
